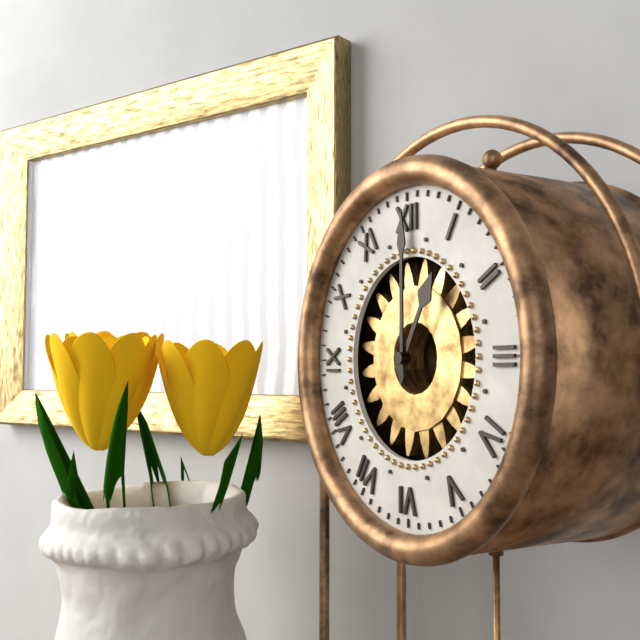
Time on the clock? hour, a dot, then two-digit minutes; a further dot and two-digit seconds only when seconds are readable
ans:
1.00
